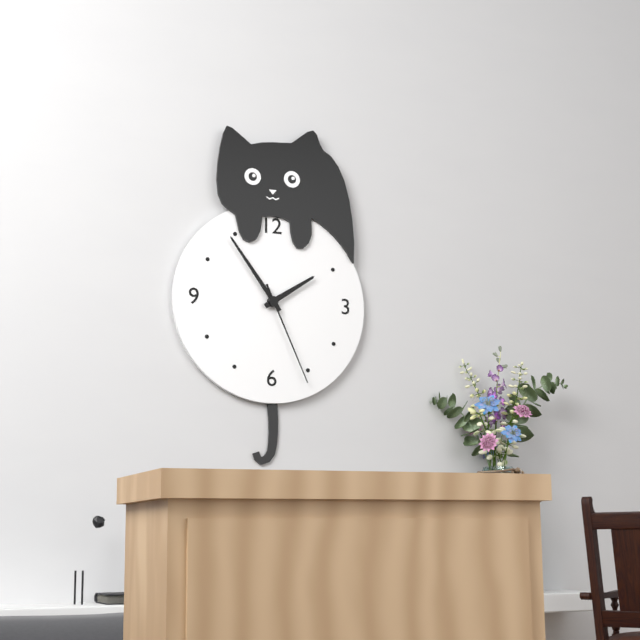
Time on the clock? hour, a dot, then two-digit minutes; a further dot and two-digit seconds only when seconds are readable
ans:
1.54.26
